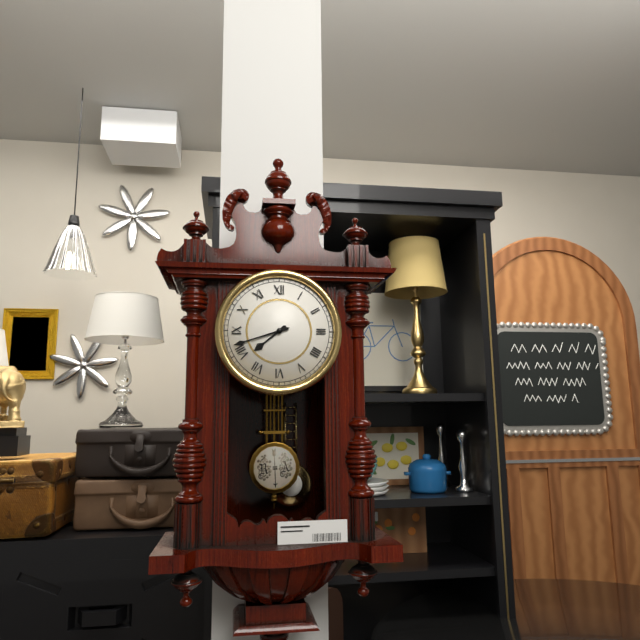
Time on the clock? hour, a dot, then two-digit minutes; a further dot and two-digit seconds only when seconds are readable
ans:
7.42
